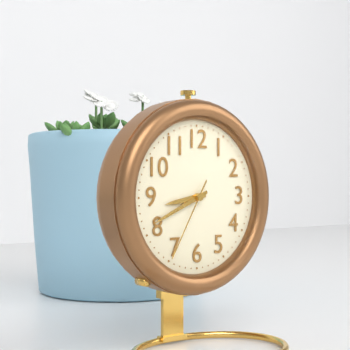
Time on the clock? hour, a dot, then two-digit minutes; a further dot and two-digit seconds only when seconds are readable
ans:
8.41.35
